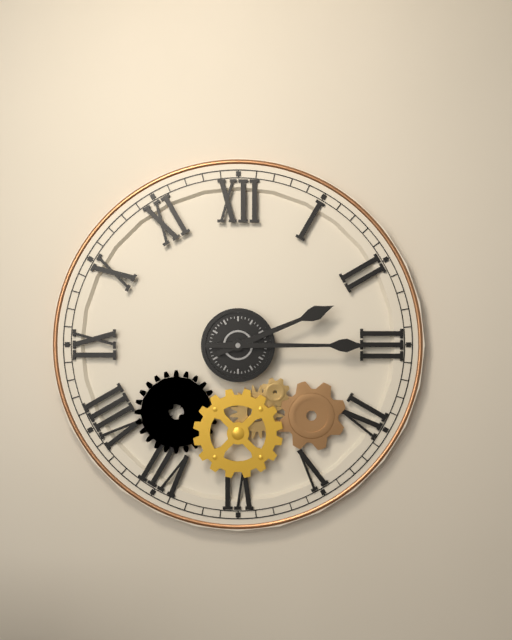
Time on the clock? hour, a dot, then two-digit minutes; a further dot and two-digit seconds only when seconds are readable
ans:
2.15
